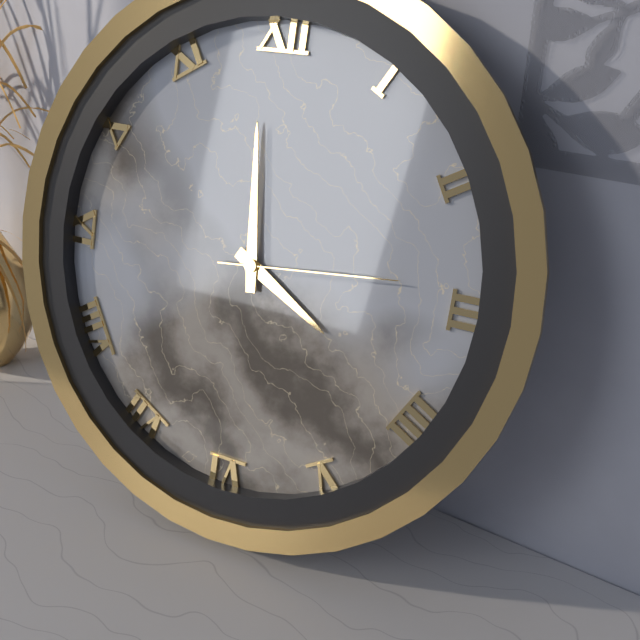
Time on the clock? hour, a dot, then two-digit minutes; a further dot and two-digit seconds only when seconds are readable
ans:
3.59.14
